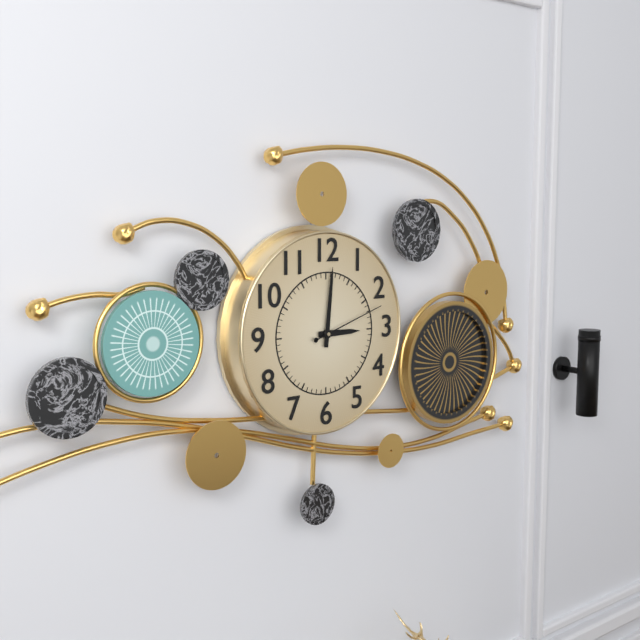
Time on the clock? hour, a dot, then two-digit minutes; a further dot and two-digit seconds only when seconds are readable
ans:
3.01.12
